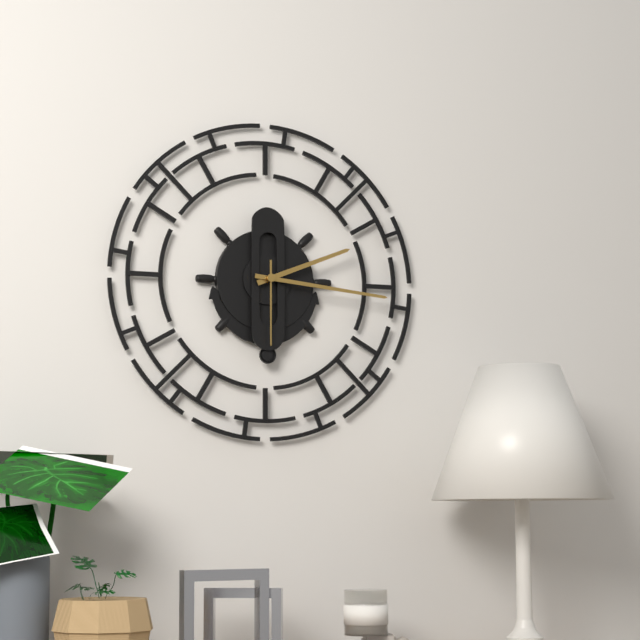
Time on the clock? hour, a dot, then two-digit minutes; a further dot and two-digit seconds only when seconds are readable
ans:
2.16.30
